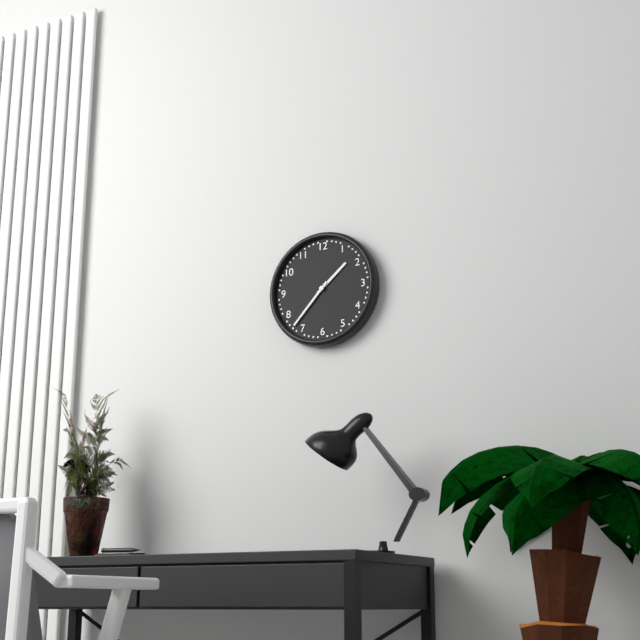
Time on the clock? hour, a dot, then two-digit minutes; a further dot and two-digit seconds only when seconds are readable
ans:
1.37
